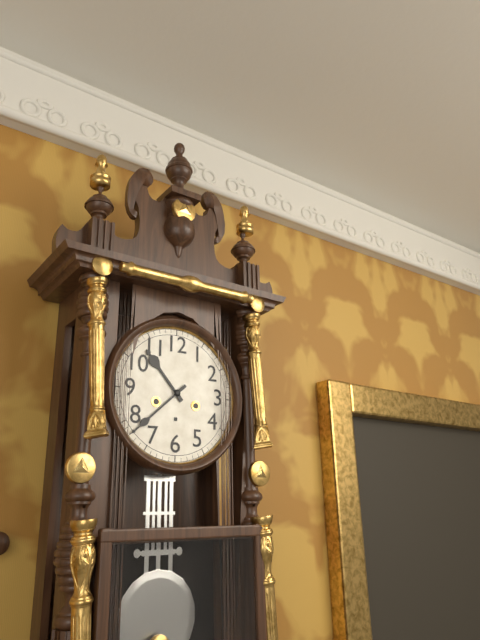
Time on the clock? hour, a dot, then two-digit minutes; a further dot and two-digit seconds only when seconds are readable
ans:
10.38
